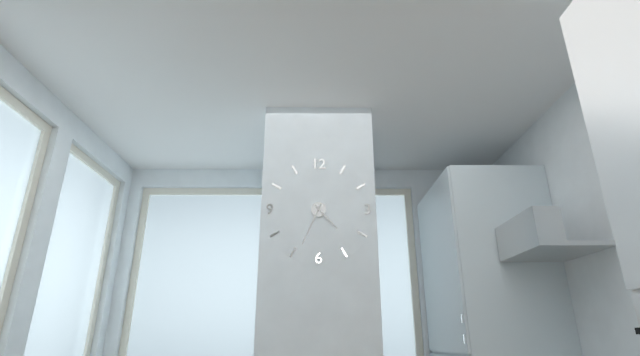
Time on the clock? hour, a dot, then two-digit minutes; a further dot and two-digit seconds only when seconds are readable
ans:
4.34
